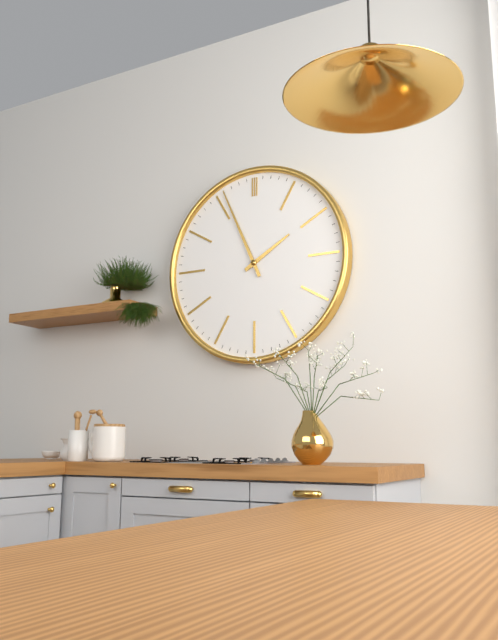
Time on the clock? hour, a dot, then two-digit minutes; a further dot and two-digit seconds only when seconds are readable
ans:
1.56
